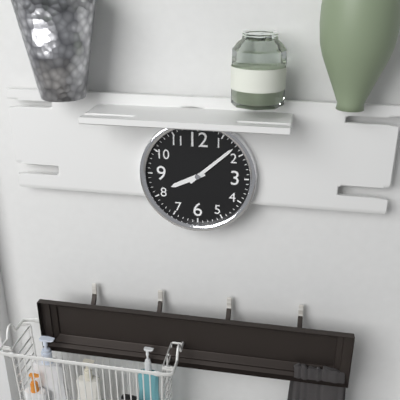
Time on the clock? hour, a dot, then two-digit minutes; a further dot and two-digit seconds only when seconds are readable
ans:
8.08
